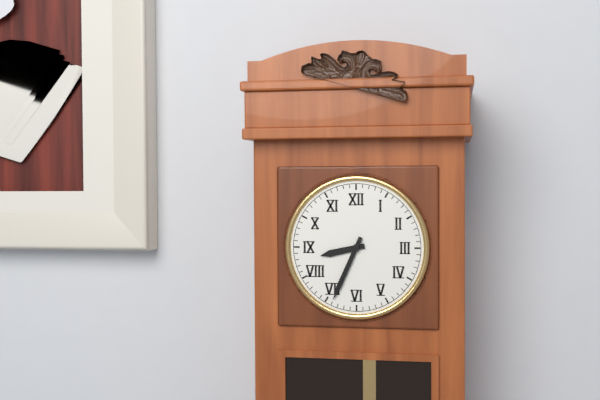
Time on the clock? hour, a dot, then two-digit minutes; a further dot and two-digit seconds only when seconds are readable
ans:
8.34
